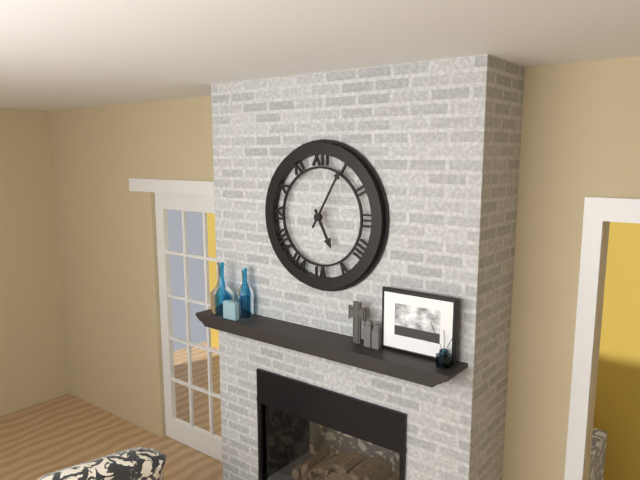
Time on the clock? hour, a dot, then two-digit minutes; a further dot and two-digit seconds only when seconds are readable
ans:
5.05
